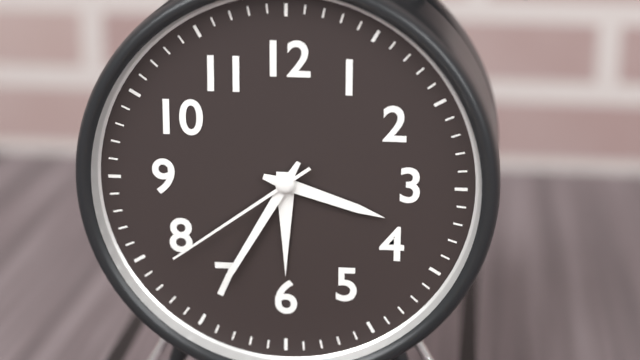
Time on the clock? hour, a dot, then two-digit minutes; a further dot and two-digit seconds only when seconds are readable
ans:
3.35.39
